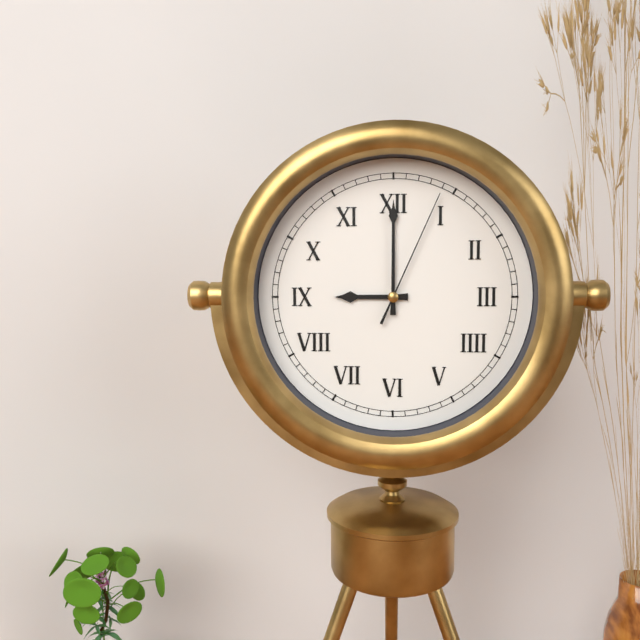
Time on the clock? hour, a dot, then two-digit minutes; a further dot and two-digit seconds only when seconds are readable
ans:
9.00.04
